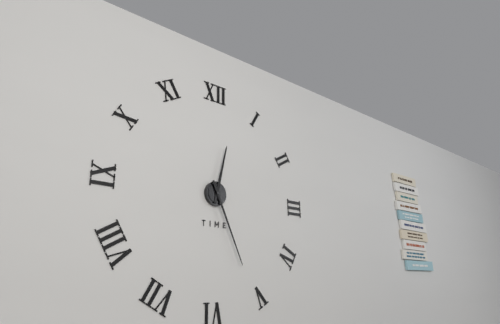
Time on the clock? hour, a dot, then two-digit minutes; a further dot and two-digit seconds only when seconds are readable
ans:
12.26
